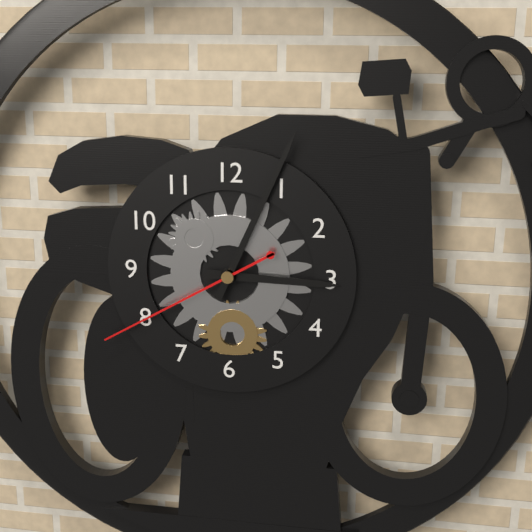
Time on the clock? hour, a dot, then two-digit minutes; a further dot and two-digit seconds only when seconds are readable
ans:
3.04.40
